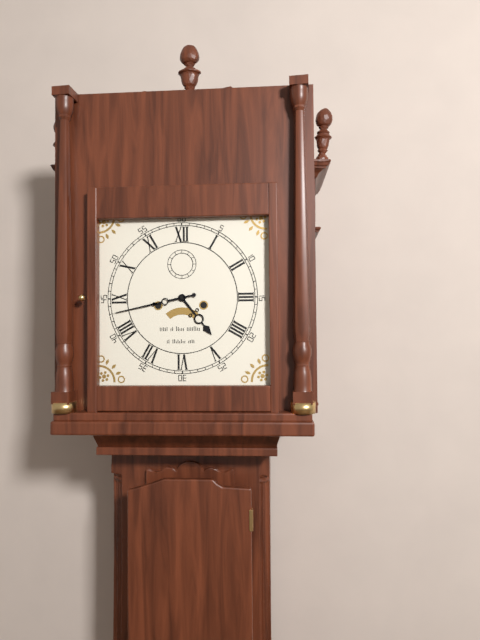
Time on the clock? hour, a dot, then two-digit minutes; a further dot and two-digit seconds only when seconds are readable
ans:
4.43
